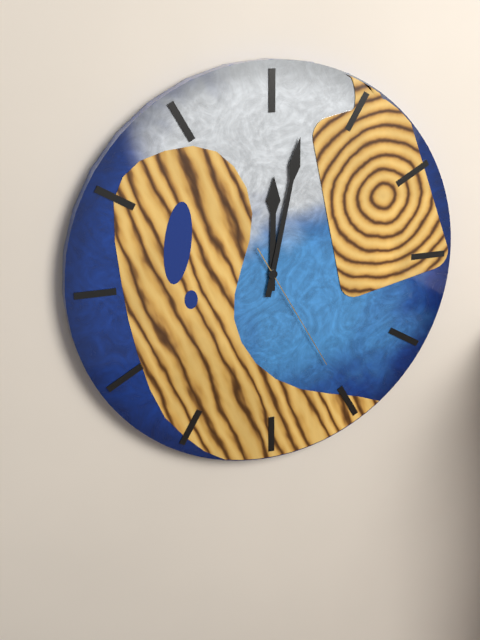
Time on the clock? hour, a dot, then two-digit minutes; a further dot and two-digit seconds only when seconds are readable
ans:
12.02.25
